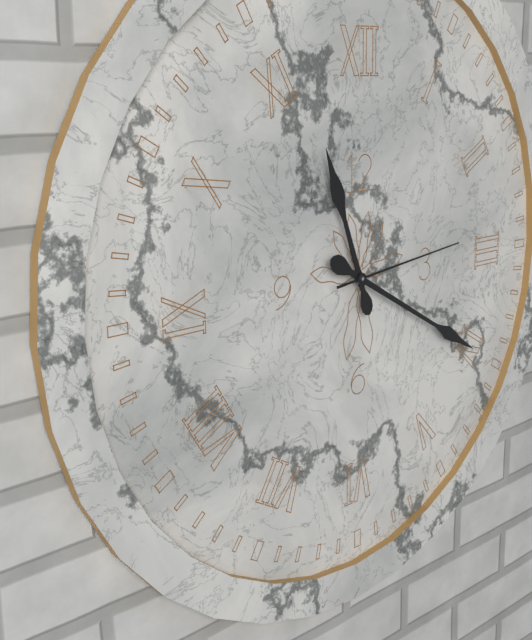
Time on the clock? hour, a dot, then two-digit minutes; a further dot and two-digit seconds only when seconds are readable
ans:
11.20.14
